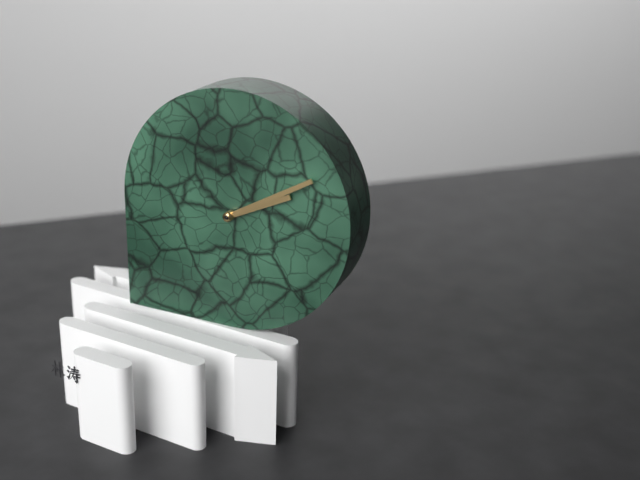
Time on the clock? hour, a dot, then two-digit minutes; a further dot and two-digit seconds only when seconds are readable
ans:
2.10
